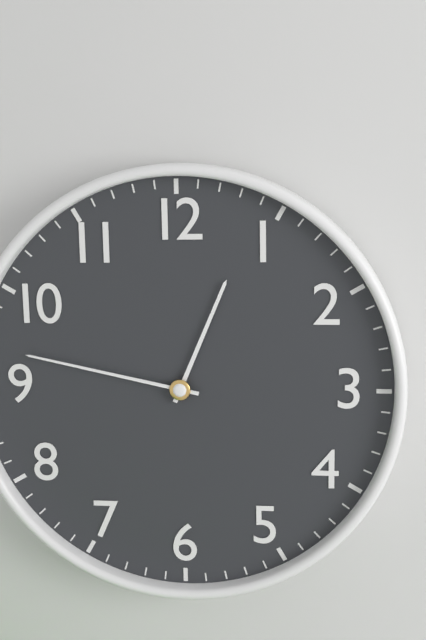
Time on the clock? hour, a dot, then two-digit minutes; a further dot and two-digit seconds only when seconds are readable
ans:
12.47
